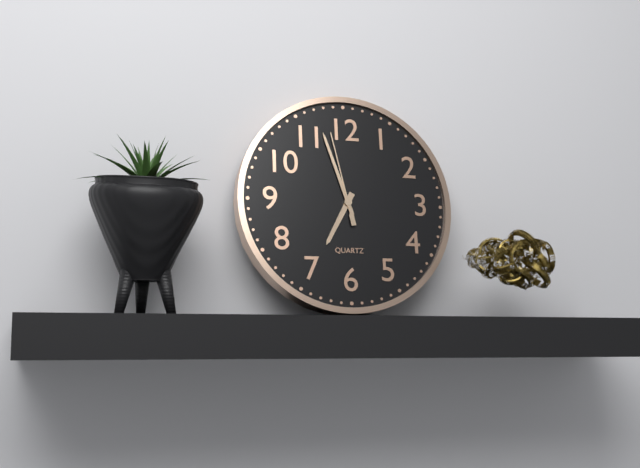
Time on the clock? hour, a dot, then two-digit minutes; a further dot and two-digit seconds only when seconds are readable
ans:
6.57.58
